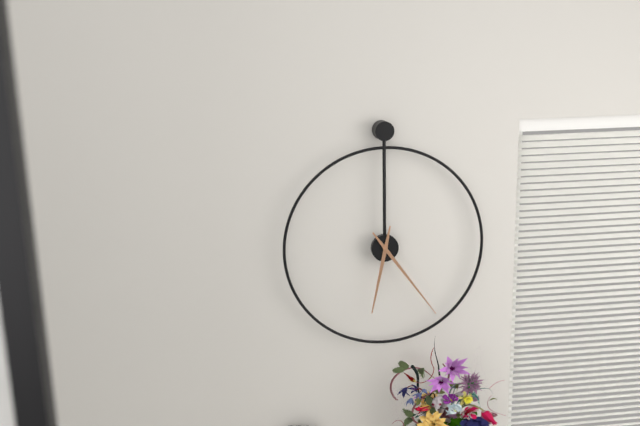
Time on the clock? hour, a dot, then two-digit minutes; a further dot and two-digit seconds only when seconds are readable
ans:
6.24
